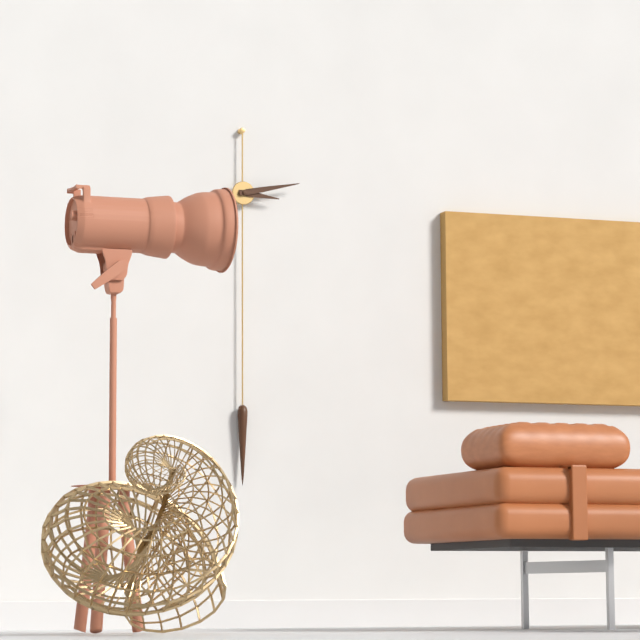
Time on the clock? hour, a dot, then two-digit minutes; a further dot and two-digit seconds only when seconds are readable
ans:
3.13
